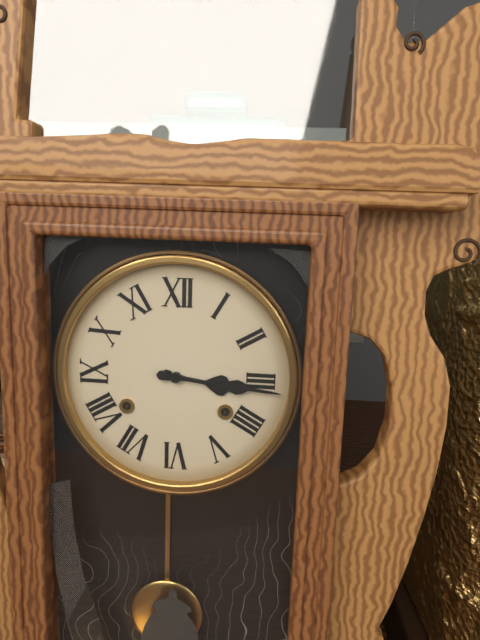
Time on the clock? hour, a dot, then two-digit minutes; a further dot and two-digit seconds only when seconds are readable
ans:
3.16
